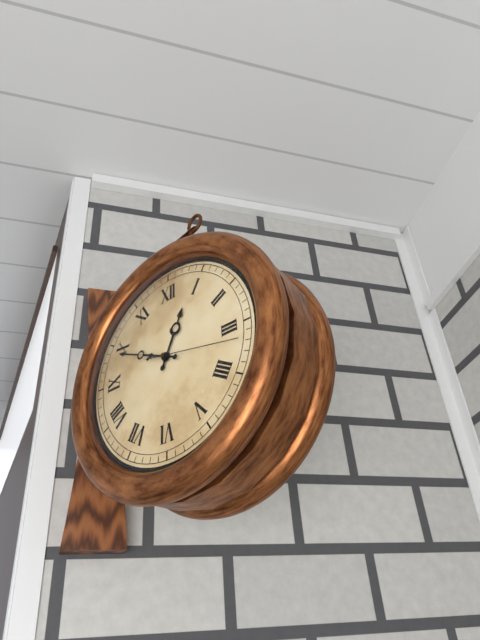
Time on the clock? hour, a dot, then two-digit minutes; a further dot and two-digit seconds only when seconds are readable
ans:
12.49.17
